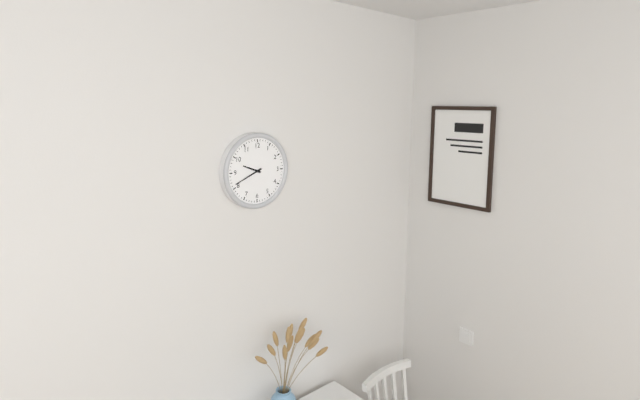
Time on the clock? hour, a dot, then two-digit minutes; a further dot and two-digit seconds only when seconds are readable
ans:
9.41
